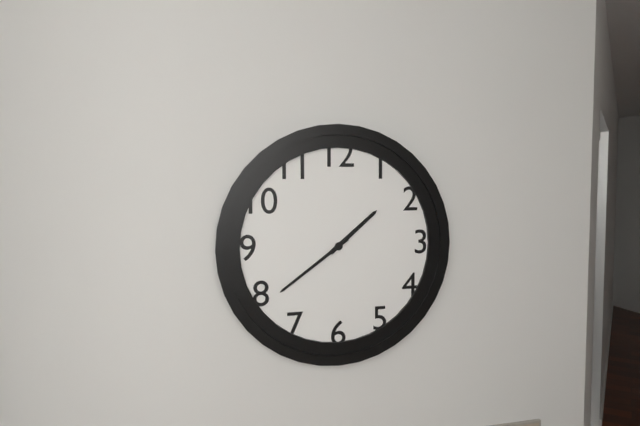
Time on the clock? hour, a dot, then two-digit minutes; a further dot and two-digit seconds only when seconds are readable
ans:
1.39
